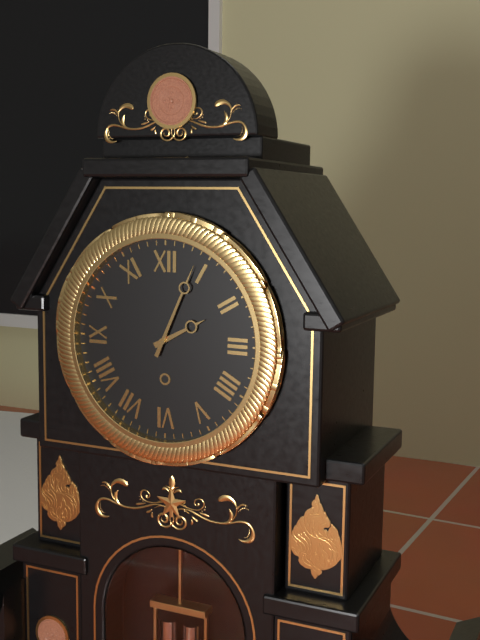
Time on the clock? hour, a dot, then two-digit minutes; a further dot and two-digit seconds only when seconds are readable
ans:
2.04
